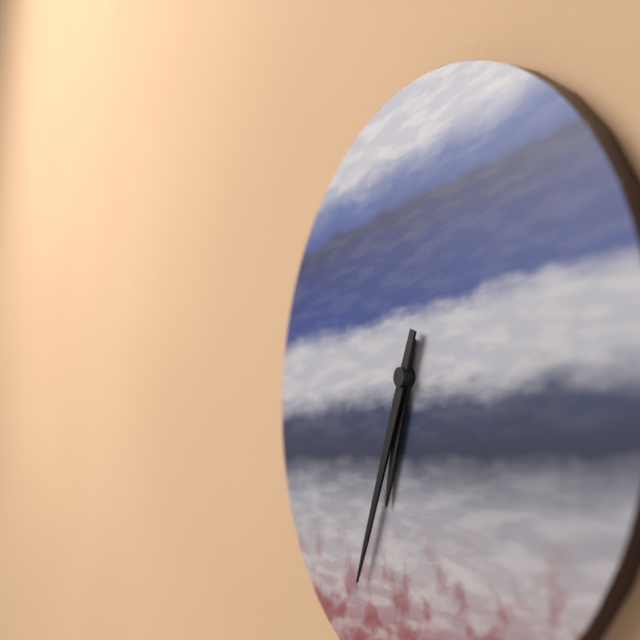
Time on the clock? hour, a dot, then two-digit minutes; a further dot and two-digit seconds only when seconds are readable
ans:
6.34
